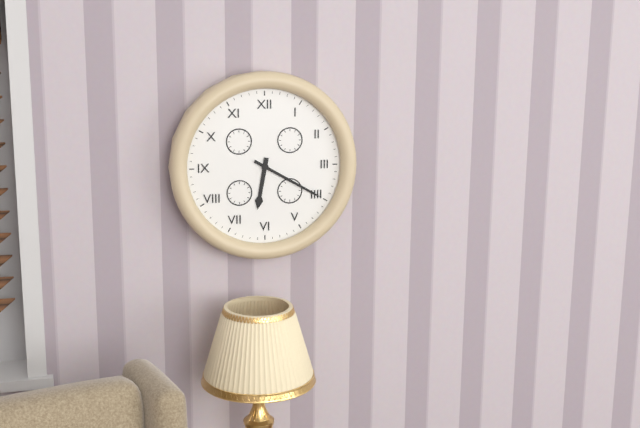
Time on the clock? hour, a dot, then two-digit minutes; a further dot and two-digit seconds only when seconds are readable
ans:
6.20
